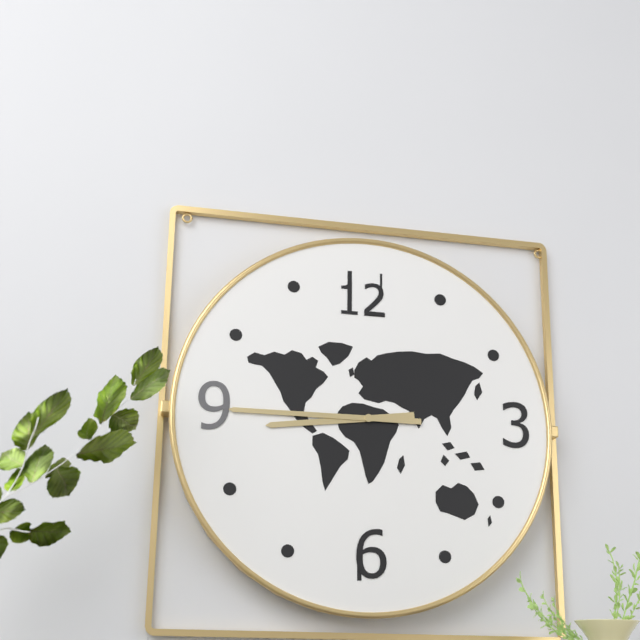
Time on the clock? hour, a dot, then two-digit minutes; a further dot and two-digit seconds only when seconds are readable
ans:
8.45
